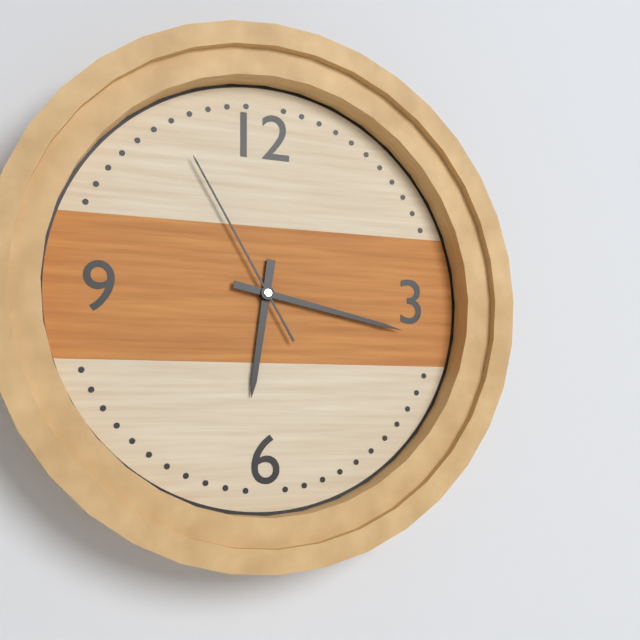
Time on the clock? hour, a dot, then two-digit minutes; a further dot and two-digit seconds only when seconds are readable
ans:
6.17.55
